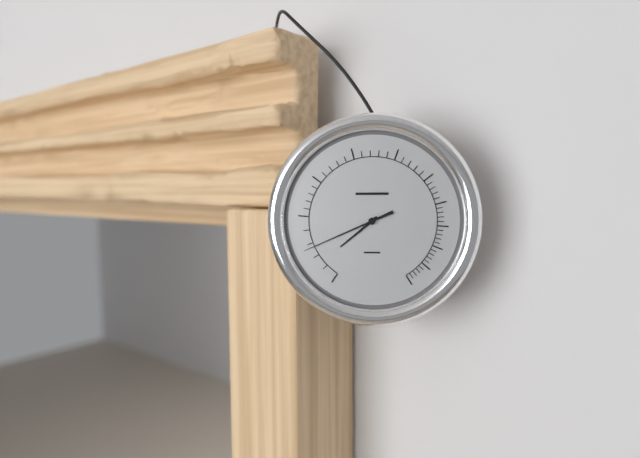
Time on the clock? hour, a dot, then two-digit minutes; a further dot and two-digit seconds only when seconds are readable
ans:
7.41
